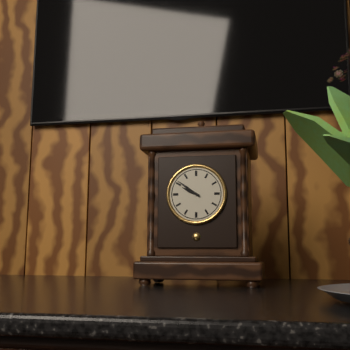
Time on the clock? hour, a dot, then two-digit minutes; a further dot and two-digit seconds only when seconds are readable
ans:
9.51
